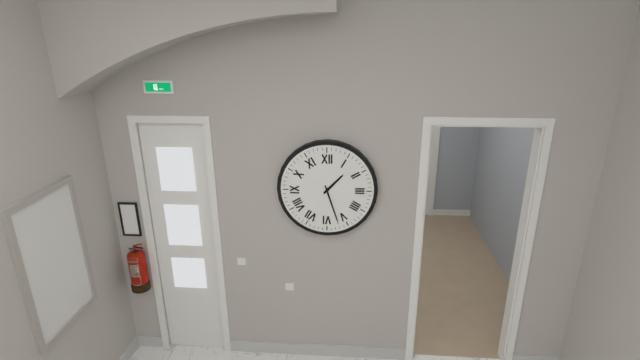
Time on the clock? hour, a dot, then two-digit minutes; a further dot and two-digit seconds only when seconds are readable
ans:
1.27
